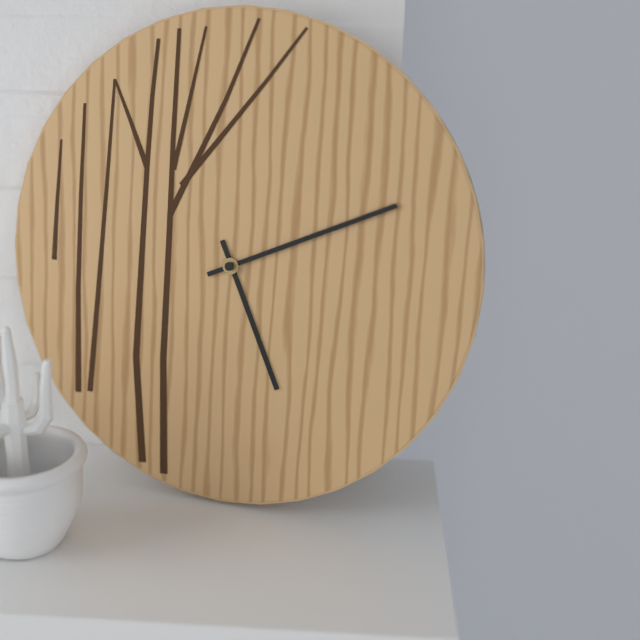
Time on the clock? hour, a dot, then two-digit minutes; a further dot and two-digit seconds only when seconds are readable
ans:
5.11
